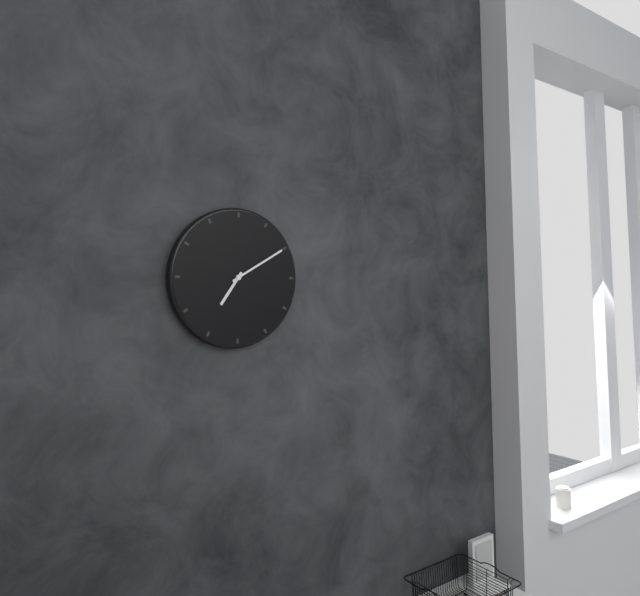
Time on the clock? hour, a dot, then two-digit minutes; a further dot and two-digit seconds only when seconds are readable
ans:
7.10
